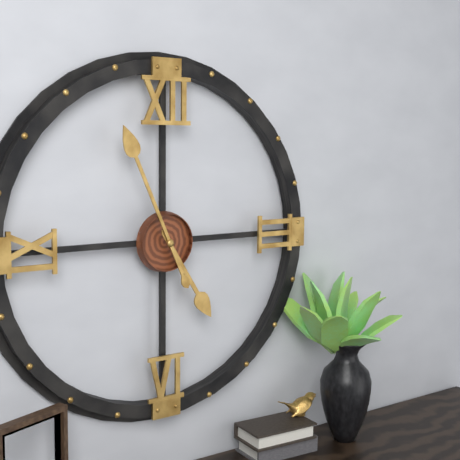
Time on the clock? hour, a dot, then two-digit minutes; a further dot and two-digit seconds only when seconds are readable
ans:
4.56
